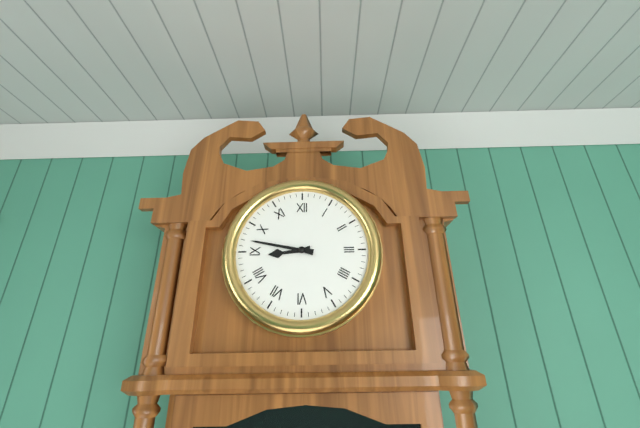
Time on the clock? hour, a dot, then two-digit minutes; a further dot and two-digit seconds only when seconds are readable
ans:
8.47
